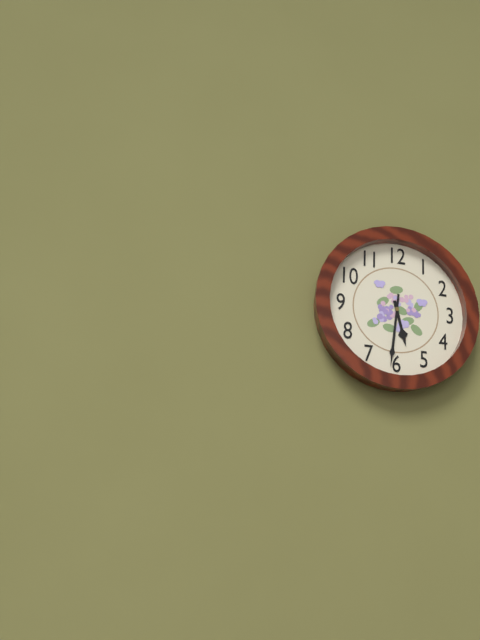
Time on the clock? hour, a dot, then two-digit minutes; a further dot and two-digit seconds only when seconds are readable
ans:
5.31
